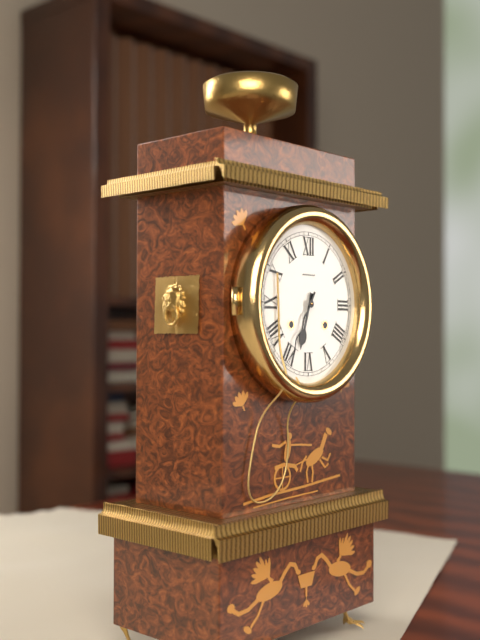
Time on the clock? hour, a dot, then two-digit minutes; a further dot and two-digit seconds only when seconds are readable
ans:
6.35
